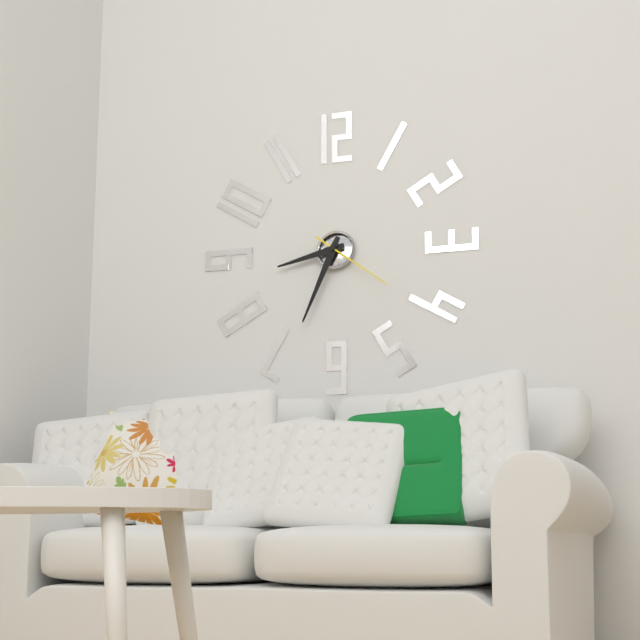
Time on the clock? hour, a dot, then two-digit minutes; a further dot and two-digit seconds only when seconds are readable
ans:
8.34.21
